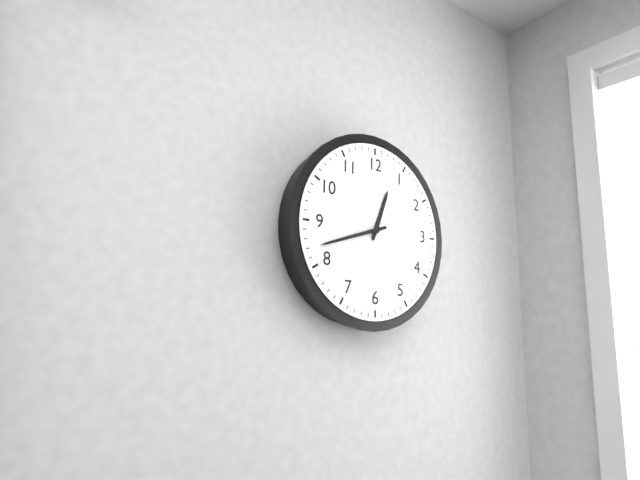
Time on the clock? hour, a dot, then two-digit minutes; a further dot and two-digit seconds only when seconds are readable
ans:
12.42
